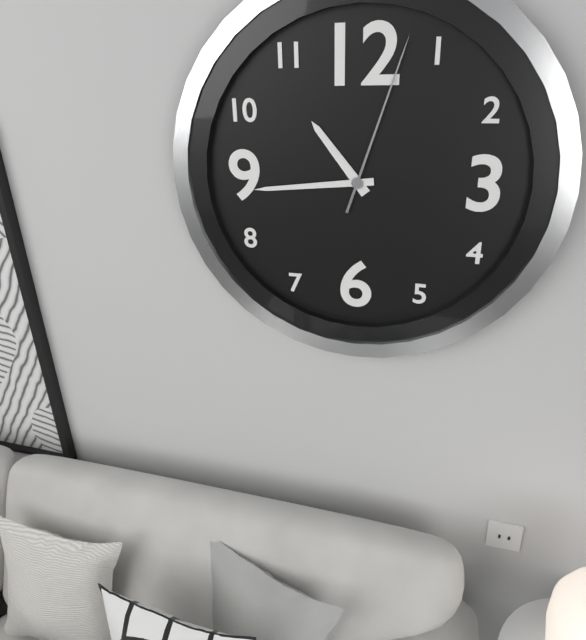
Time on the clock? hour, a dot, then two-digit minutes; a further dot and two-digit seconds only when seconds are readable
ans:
10.44.03
